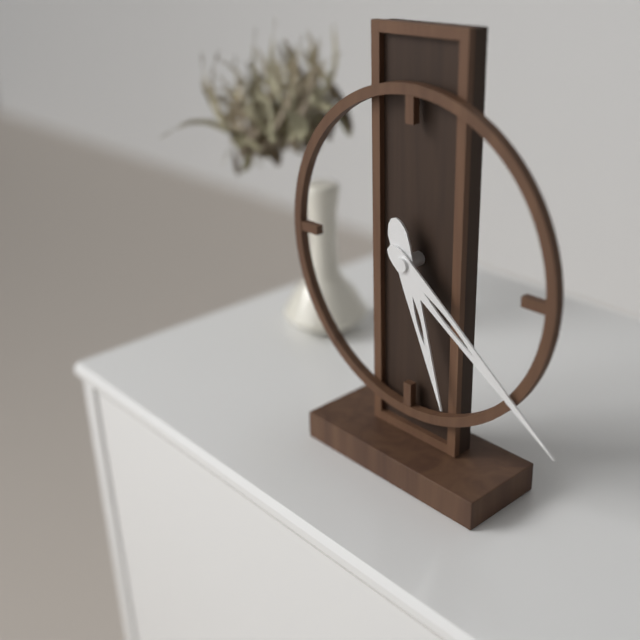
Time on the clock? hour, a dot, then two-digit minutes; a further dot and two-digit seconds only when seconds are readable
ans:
5.21
